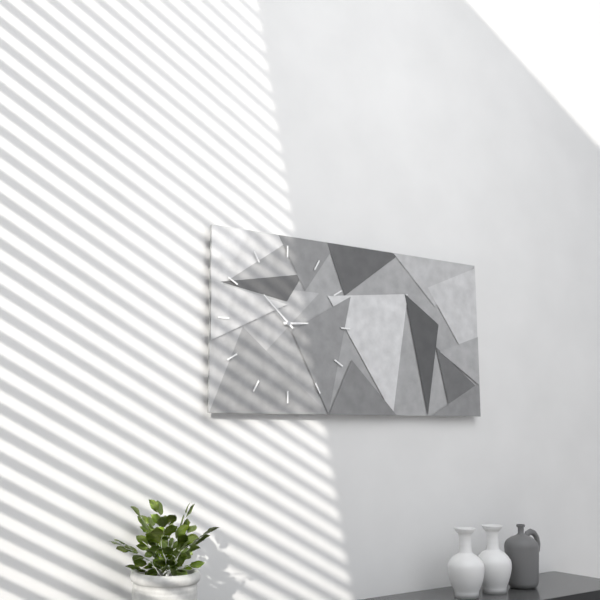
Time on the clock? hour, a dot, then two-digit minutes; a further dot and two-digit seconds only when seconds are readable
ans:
2.52
